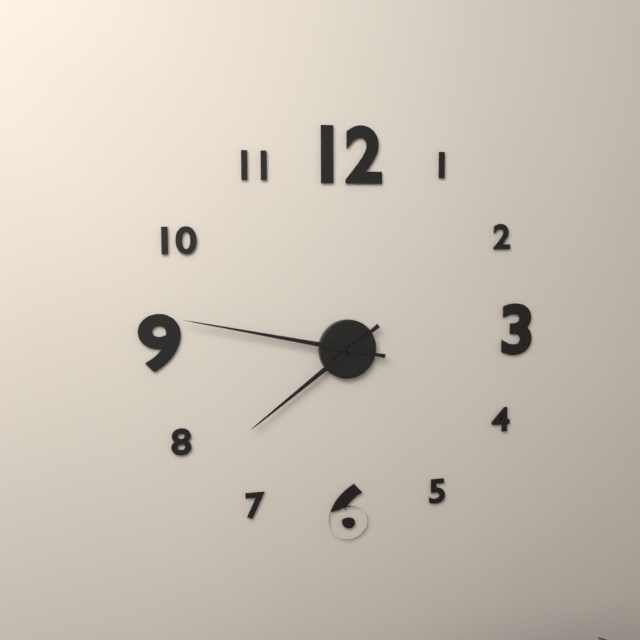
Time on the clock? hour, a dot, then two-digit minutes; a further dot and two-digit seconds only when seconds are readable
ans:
7.47
